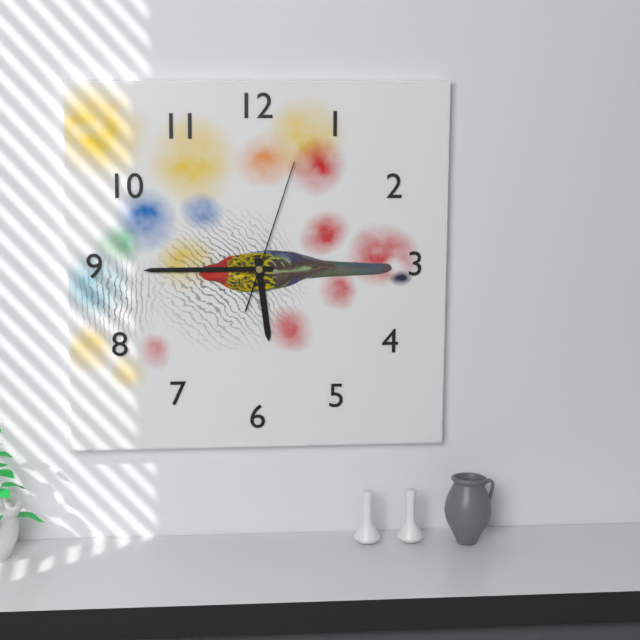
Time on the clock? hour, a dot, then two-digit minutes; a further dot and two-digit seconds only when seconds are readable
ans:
5.45.03
